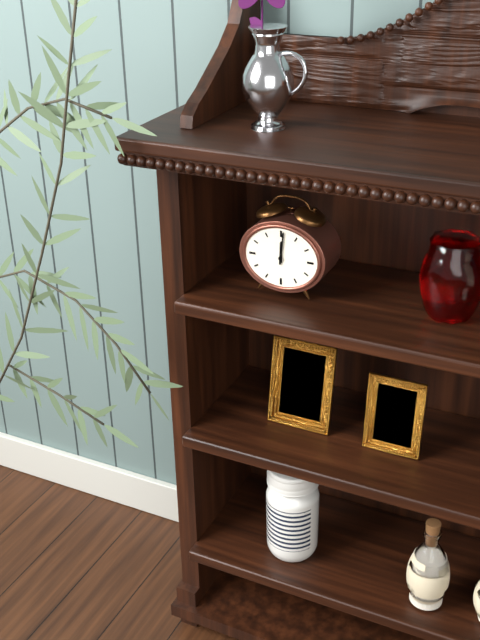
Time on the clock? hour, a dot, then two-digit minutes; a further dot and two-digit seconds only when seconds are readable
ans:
12.01
